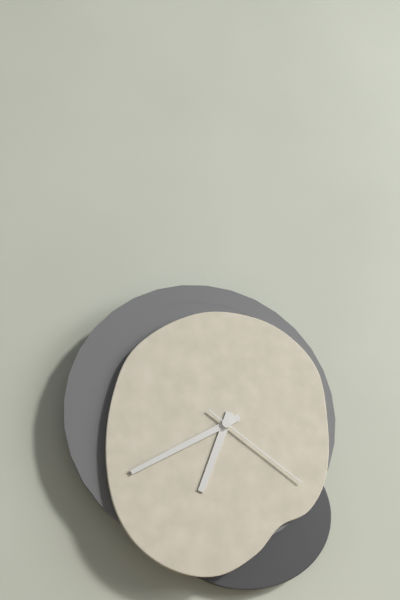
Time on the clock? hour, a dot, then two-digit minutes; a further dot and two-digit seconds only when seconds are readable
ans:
6.40.21
